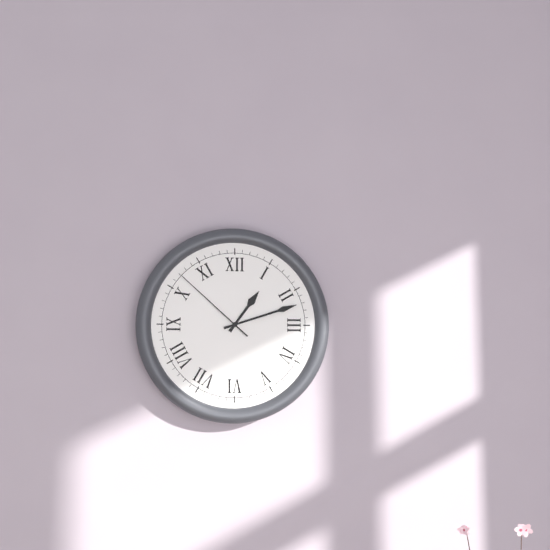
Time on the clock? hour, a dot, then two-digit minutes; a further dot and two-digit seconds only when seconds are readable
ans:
1.12.52
